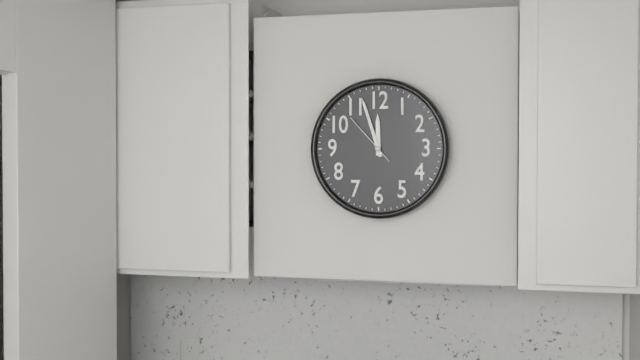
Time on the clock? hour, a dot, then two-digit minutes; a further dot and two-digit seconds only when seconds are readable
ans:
11.57.53
